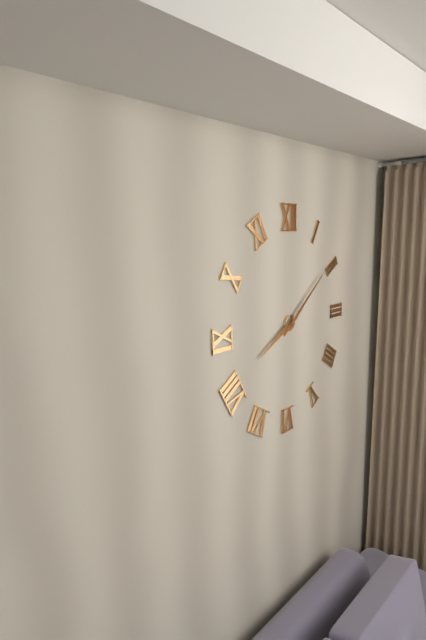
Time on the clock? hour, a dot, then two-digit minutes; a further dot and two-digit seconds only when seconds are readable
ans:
8.09
